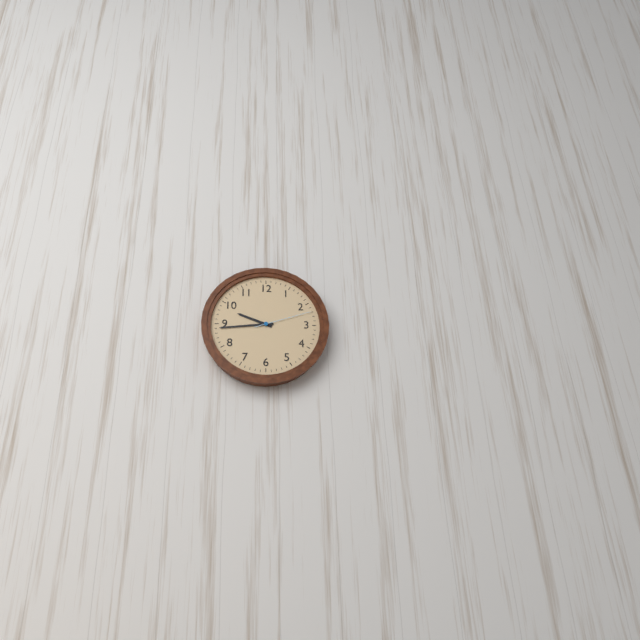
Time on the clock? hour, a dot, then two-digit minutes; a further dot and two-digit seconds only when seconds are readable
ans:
9.44.12
